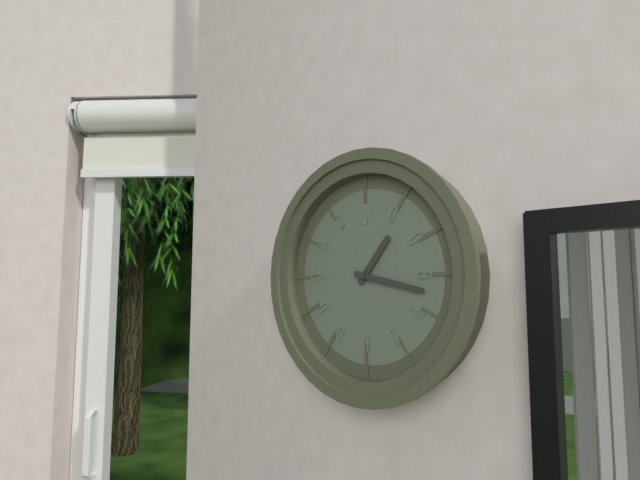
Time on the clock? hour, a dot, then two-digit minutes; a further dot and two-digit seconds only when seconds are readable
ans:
1.17
